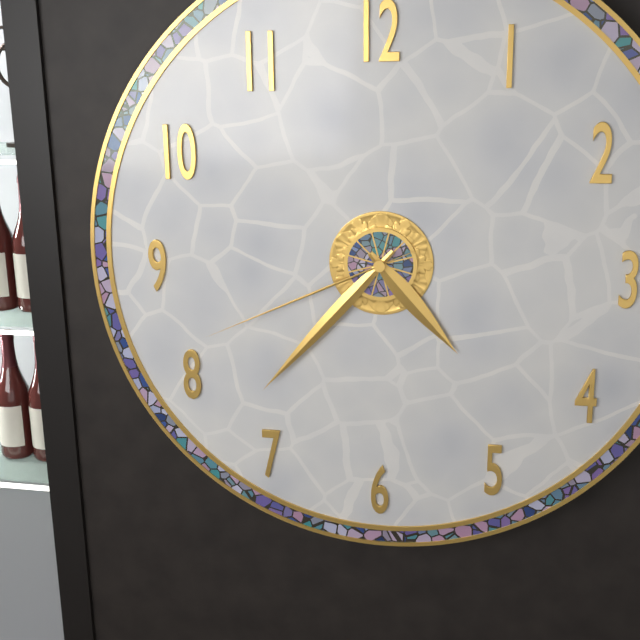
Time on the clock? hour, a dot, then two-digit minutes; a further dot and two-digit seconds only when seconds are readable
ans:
4.37.41
